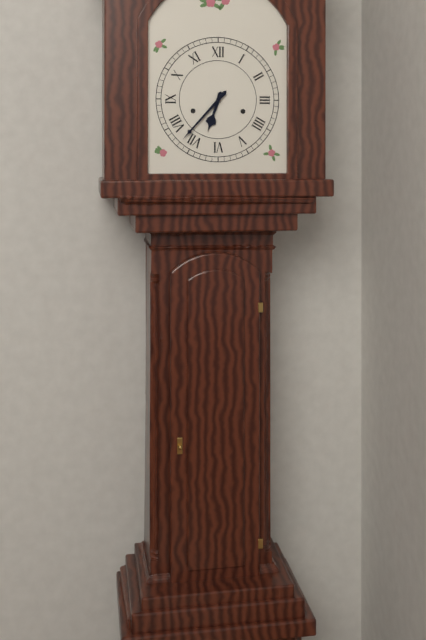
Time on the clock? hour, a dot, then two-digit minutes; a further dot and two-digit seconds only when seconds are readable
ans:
6.37
